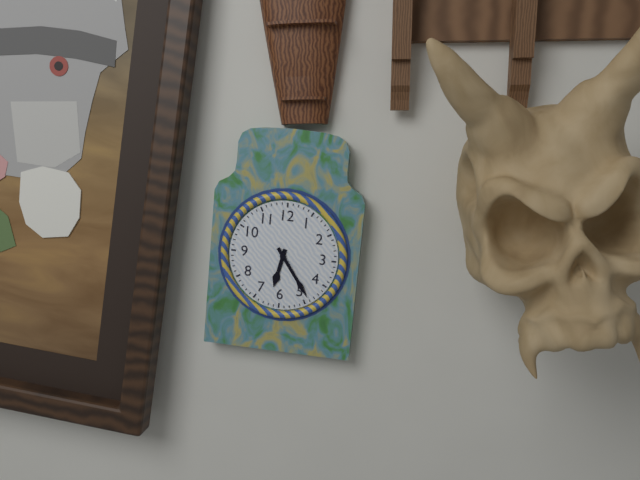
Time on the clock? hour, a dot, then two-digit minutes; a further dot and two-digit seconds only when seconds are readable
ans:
6.24
